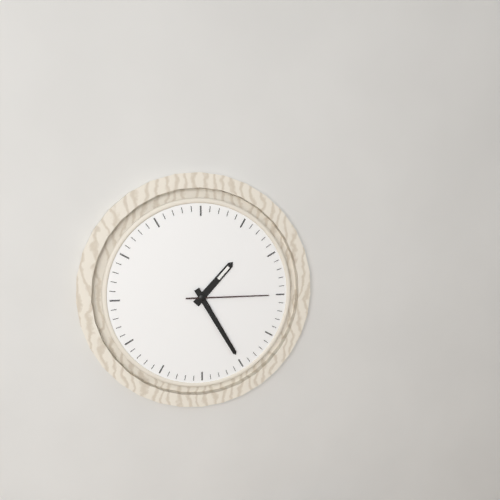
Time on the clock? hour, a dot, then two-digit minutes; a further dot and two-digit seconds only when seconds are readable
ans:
1.25.15
